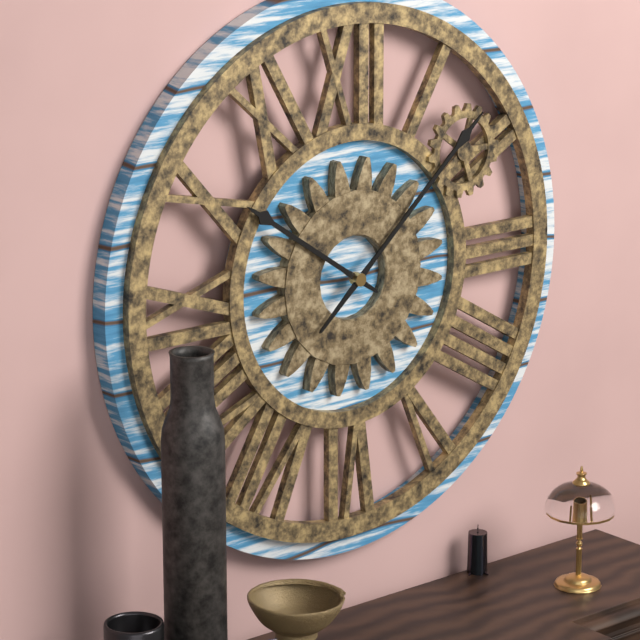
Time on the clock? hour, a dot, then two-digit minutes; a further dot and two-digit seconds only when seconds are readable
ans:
10.08
